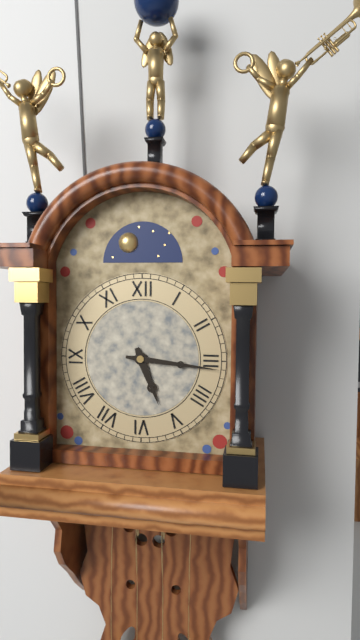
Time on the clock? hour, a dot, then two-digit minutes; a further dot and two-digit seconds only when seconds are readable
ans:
5.16
